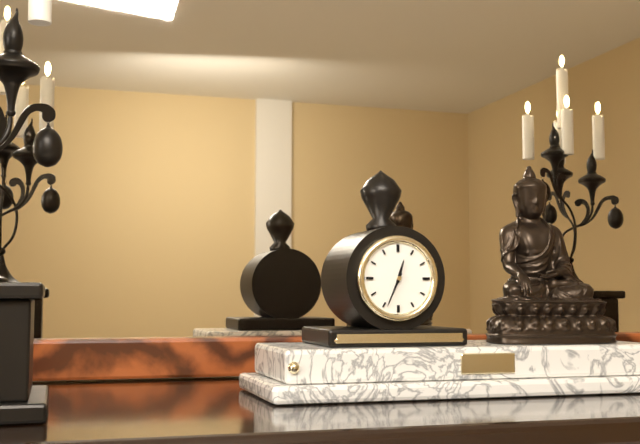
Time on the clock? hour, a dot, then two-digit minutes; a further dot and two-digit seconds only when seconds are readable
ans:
12.34
